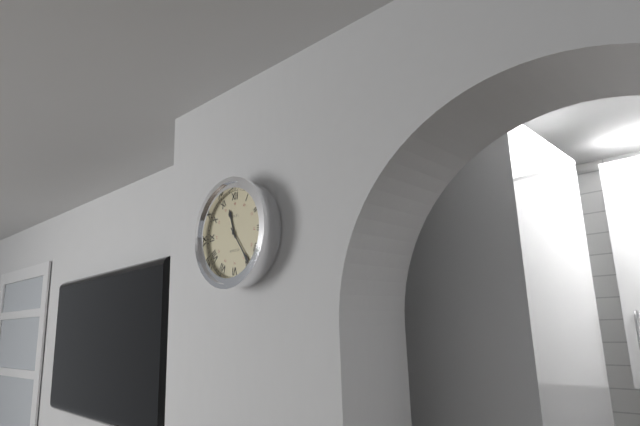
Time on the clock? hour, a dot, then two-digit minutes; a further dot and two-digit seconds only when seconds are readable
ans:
11.24
